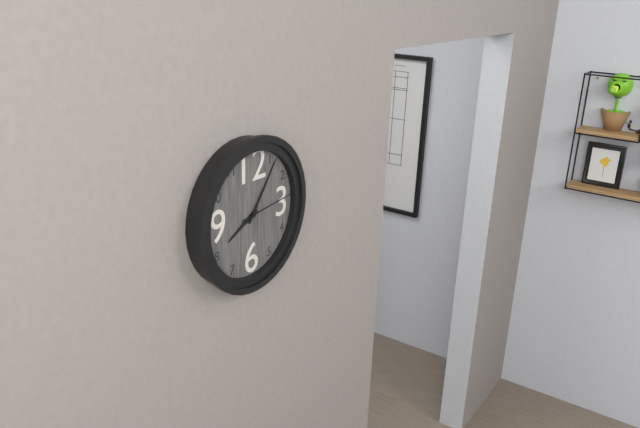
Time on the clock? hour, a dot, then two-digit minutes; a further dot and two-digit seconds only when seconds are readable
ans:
8.06.14
